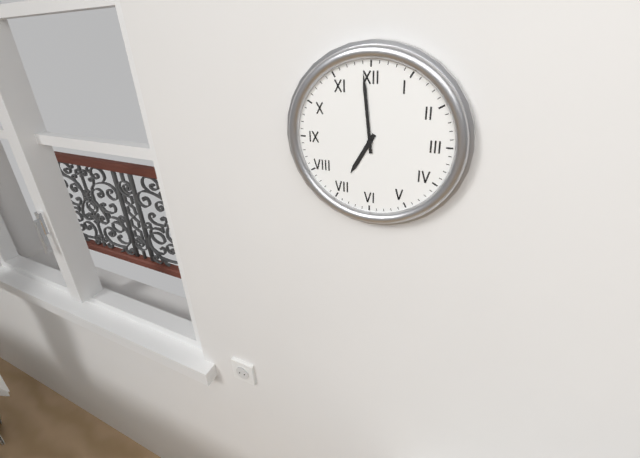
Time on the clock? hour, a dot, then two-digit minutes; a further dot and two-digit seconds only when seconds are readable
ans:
6.59
